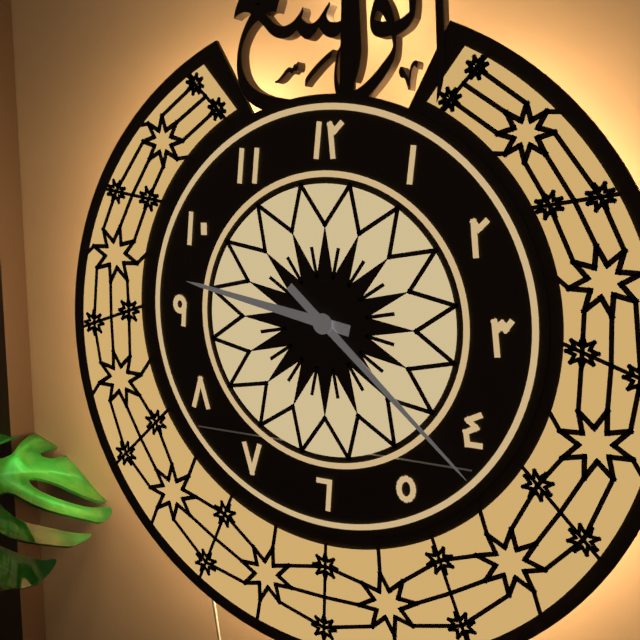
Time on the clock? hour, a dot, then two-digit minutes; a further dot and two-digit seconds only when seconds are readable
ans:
9.22
